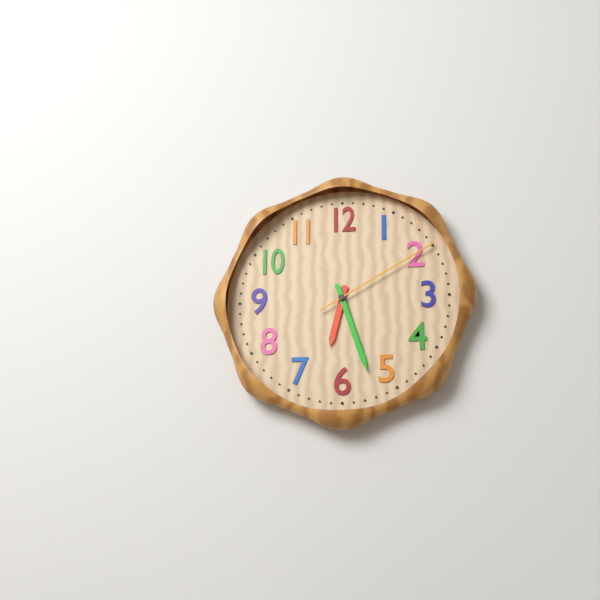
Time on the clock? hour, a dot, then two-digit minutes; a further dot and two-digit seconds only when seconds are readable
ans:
6.27.10
